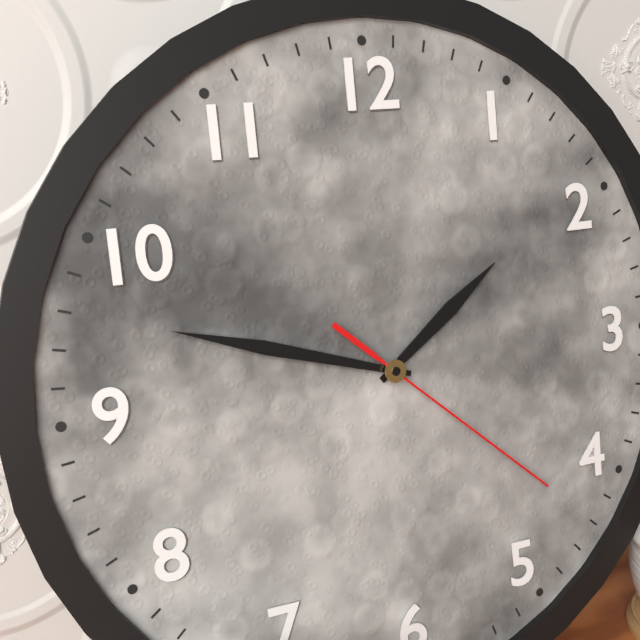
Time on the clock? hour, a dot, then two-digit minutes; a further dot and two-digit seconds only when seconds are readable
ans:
1.48.22
